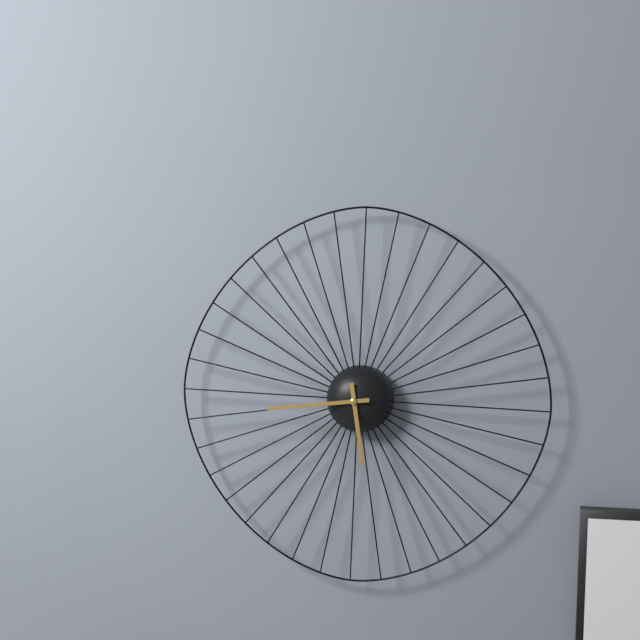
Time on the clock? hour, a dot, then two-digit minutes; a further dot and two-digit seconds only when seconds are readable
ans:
5.44
